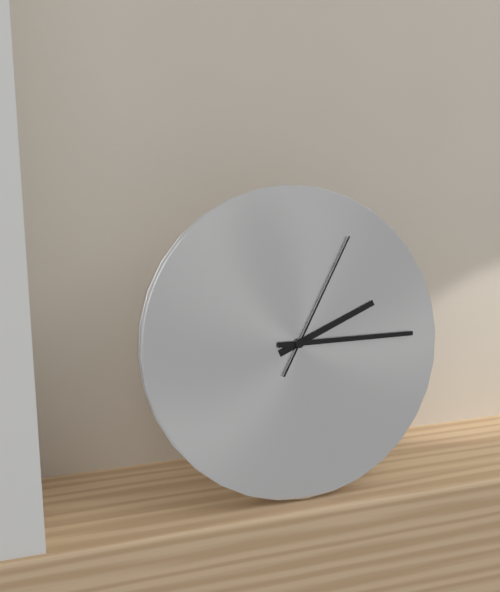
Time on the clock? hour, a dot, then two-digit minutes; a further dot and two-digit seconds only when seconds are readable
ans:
2.15.05
